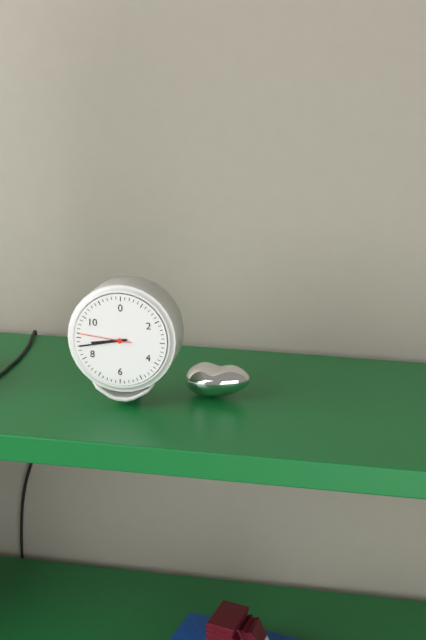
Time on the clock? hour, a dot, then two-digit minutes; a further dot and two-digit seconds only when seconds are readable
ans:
8.43.46
